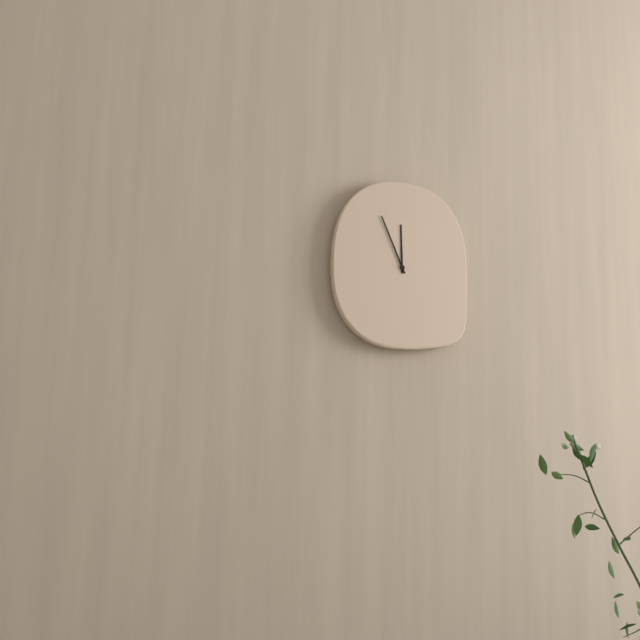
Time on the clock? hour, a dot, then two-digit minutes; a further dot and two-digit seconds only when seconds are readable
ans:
11.56
